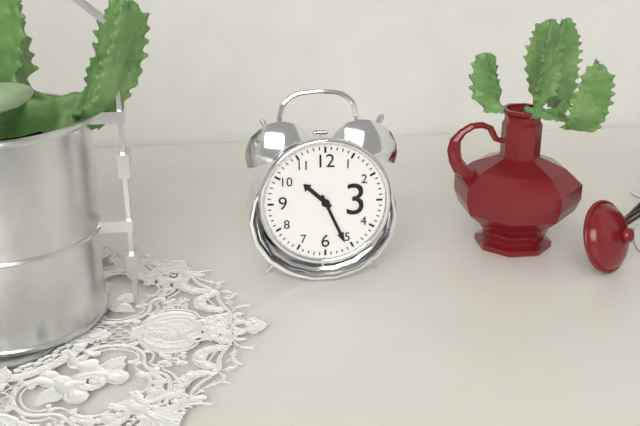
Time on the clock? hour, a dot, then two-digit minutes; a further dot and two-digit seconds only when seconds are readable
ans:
10.26
